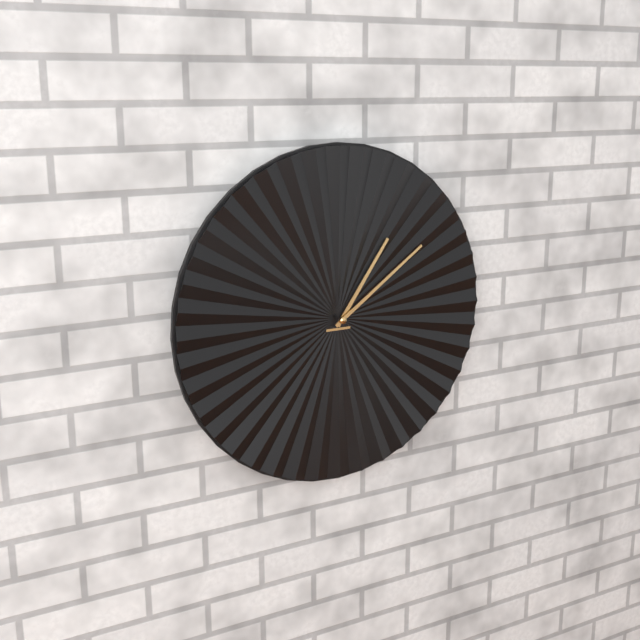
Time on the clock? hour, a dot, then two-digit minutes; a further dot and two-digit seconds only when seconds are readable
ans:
1.09
